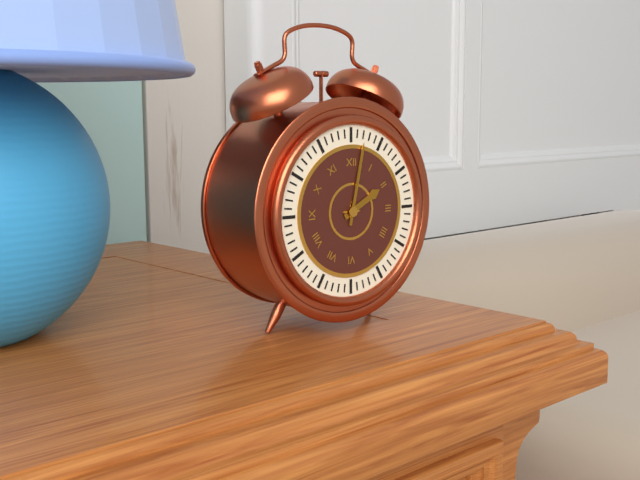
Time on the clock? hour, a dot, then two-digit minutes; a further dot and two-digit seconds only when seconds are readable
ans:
2.02
